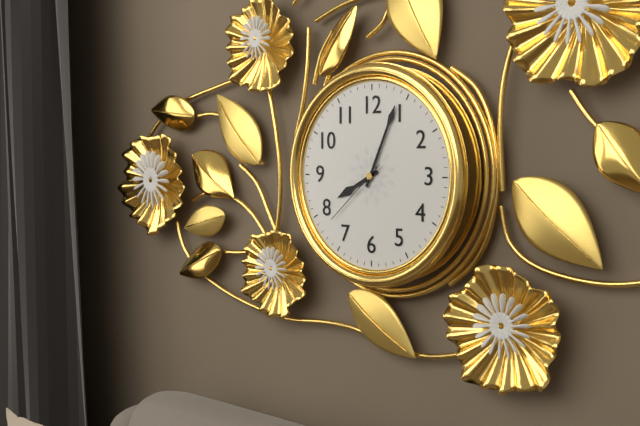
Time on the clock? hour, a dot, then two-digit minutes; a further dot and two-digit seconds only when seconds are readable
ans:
8.04.38
